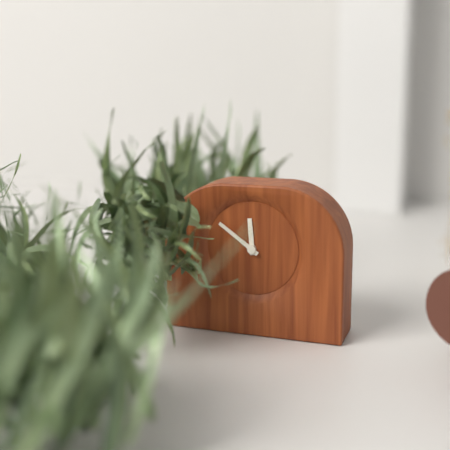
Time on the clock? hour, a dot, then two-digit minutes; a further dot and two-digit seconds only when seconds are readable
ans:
11.51
